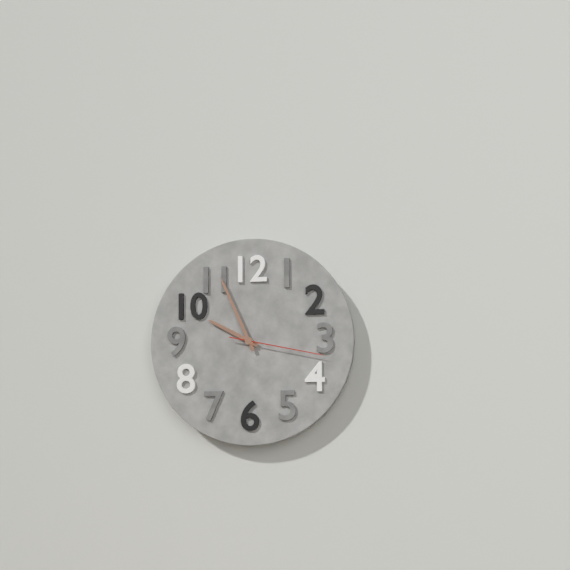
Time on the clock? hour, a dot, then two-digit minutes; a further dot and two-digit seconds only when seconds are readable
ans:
9.56.17
